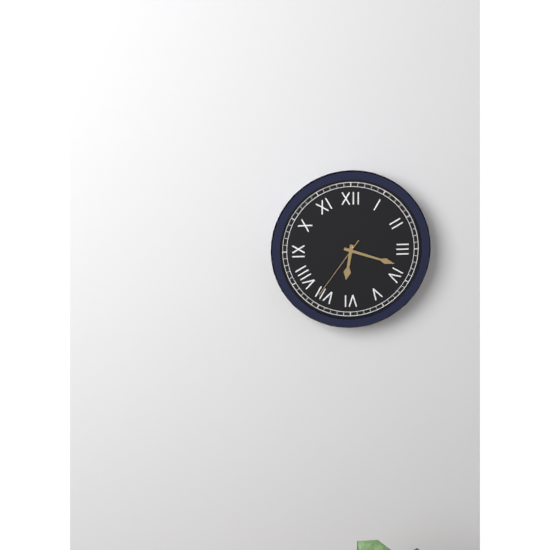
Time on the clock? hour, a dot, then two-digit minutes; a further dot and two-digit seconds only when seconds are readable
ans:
6.18.36
